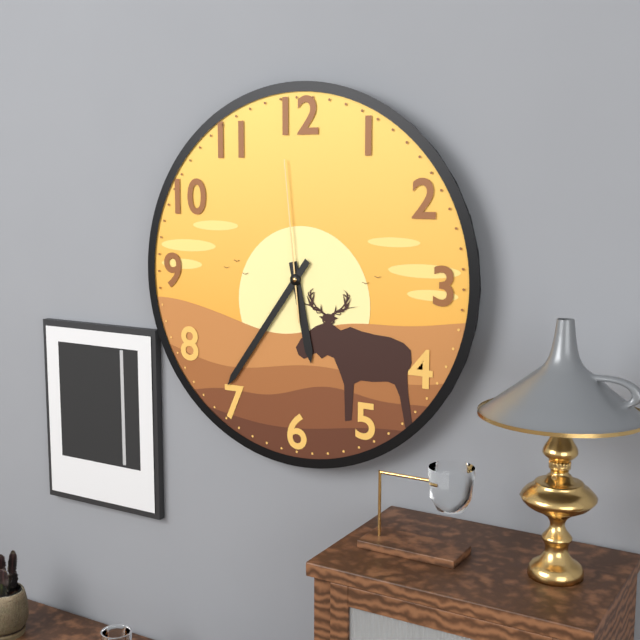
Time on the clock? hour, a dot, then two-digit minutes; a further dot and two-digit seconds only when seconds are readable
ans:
5.36.59
